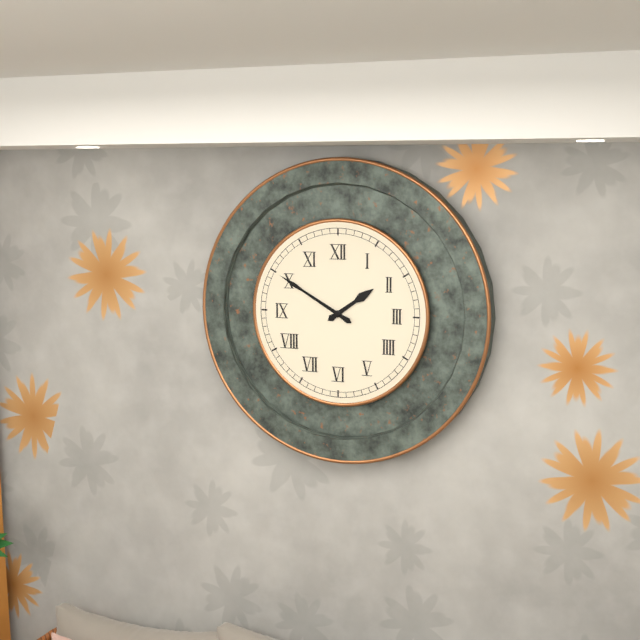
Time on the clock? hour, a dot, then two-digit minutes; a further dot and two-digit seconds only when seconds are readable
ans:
1.50
